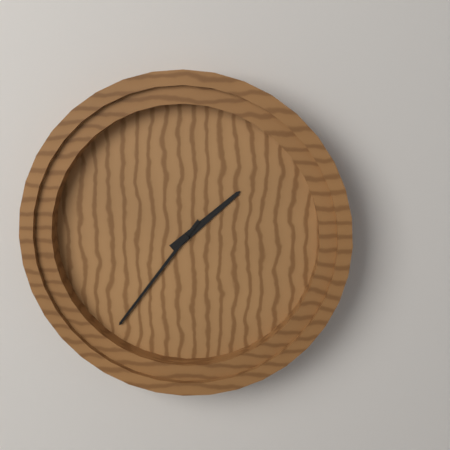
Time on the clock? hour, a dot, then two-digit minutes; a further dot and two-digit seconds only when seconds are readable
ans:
1.36
